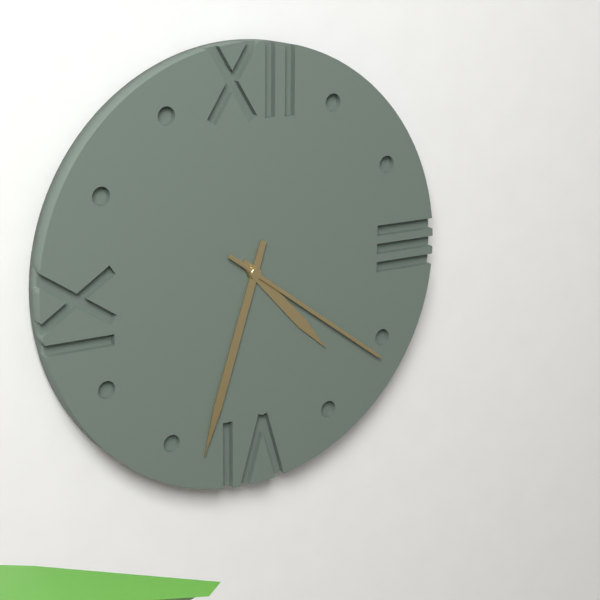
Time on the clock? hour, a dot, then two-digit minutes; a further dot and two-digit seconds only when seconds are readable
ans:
4.33.21
